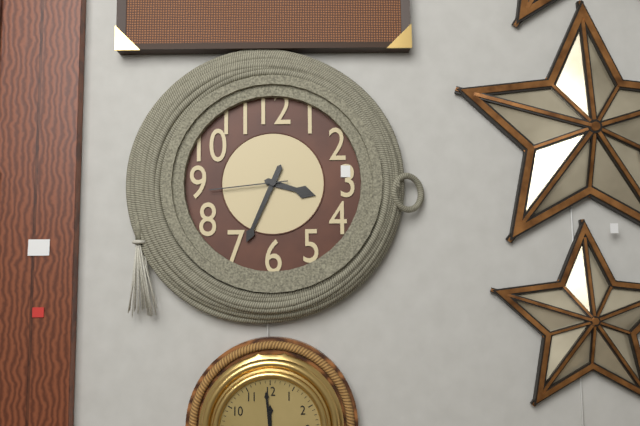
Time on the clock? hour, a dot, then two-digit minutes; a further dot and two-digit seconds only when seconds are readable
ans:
3.34.44
